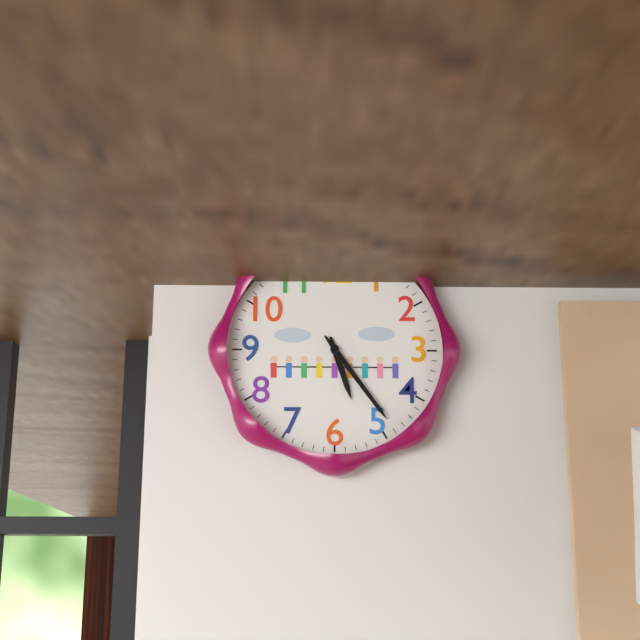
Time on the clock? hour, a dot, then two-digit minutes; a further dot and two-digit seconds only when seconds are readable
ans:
5.24
